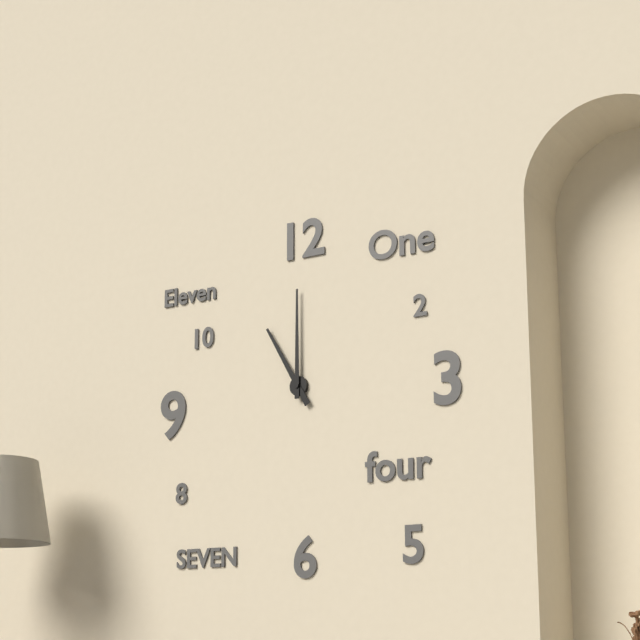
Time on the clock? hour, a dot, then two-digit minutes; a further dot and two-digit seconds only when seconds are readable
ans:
11.00
